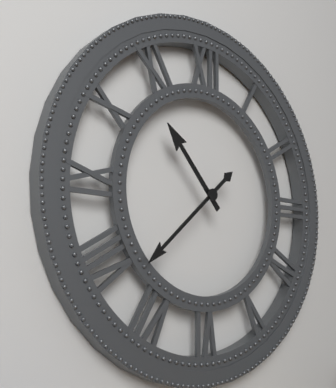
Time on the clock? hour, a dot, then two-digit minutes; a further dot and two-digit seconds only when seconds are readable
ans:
10.38
